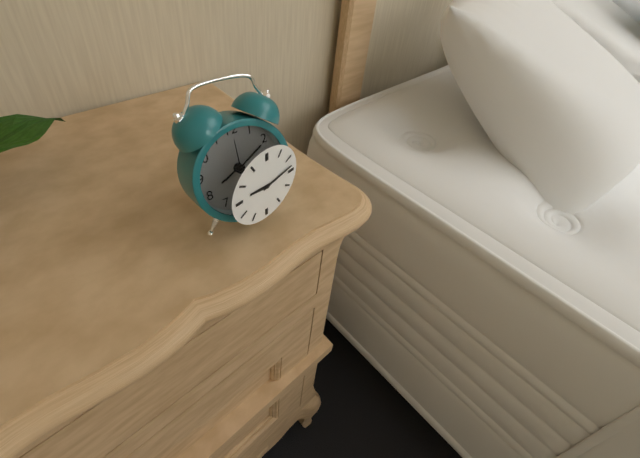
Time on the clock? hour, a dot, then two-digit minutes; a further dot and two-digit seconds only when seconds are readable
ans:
9.13
